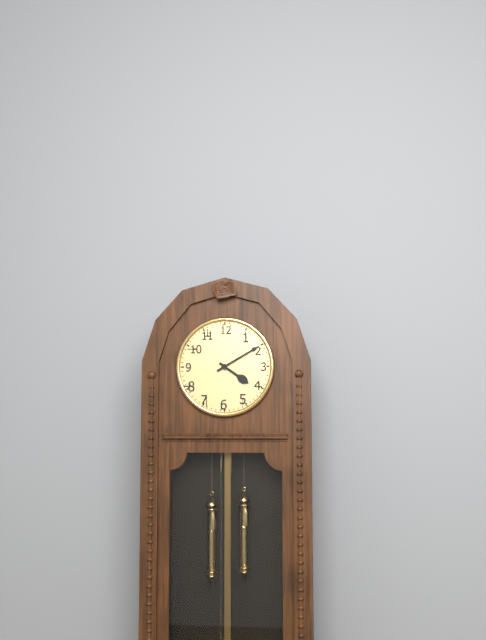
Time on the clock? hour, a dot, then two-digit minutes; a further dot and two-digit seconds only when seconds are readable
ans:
4.10
